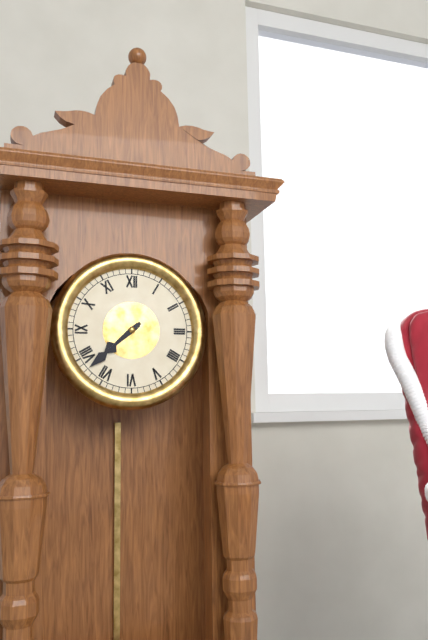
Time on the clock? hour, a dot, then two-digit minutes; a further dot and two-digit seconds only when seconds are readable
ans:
7.38
